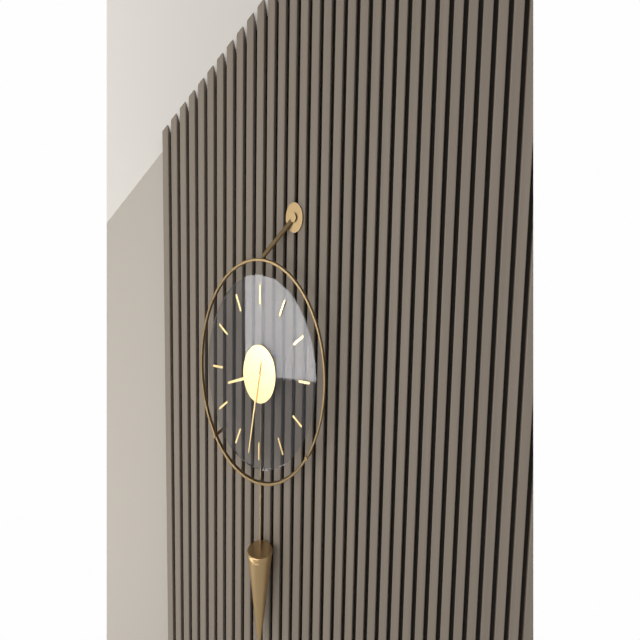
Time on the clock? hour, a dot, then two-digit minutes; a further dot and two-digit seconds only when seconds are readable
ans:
8.32
